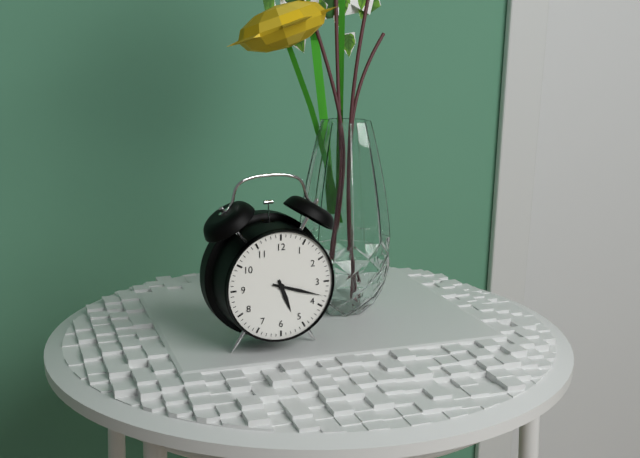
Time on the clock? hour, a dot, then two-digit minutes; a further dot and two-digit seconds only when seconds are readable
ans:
5.18
